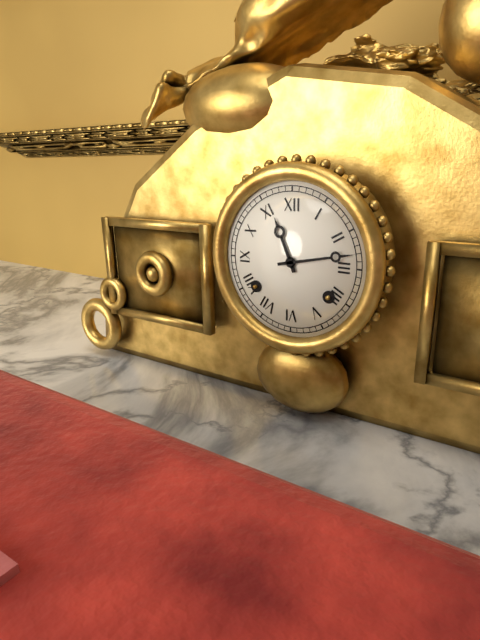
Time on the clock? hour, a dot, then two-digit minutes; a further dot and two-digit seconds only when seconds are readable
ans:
11.13
